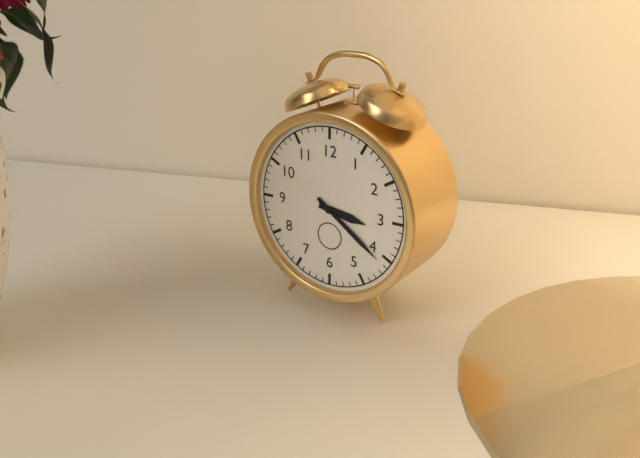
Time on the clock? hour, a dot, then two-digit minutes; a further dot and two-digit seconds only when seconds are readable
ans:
3.21
